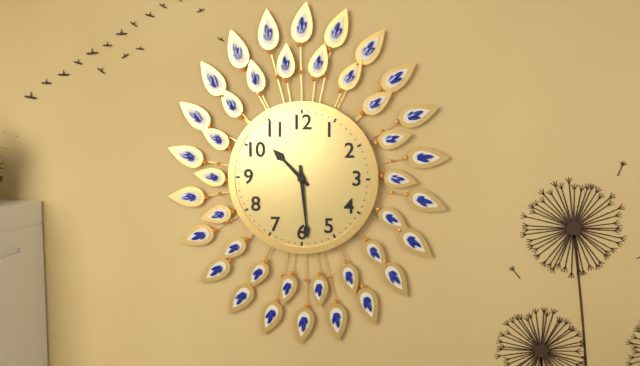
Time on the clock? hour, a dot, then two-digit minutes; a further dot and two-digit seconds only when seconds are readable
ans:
10.29
